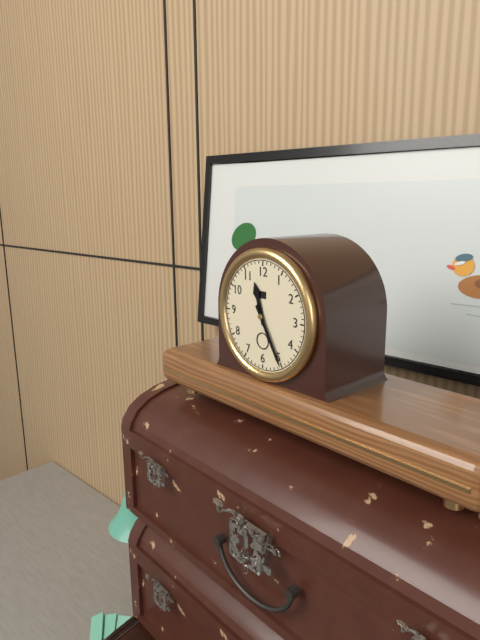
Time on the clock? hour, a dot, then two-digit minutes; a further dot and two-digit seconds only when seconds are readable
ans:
11.25
